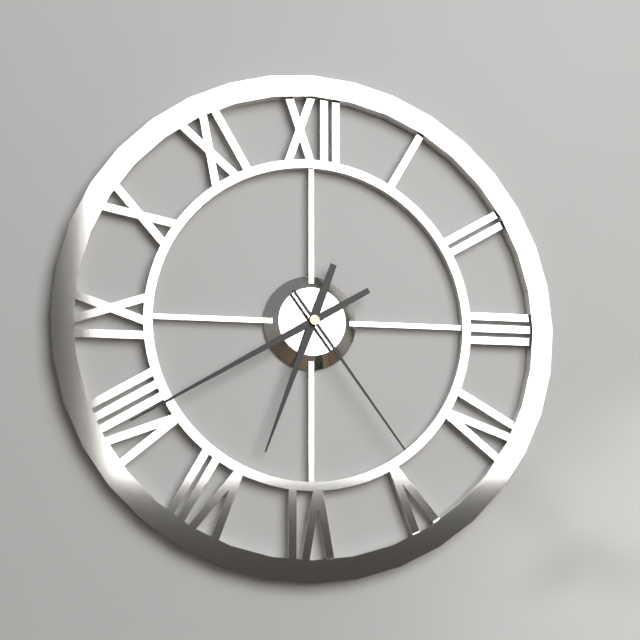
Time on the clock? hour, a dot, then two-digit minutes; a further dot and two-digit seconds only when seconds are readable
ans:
6.40.24
